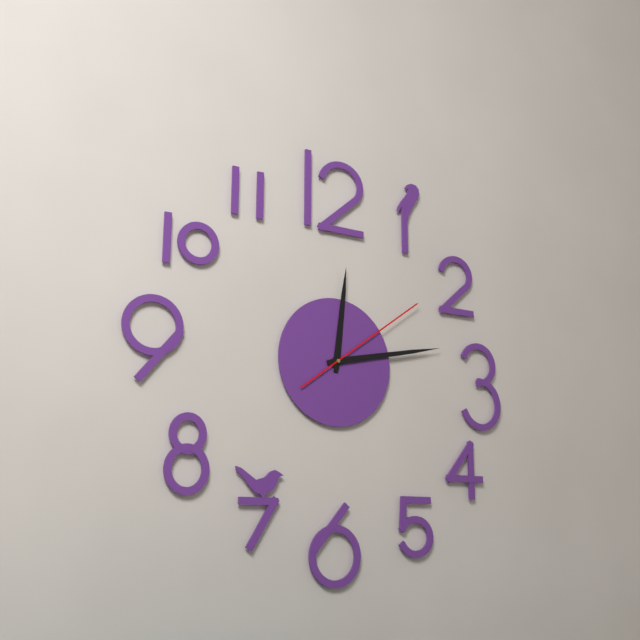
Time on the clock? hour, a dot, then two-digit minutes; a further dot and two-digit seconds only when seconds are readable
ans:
12.13.09
